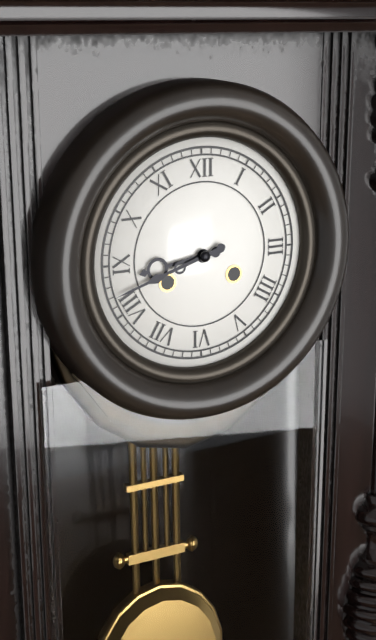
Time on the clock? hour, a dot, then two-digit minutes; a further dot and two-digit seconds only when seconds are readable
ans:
8.42
